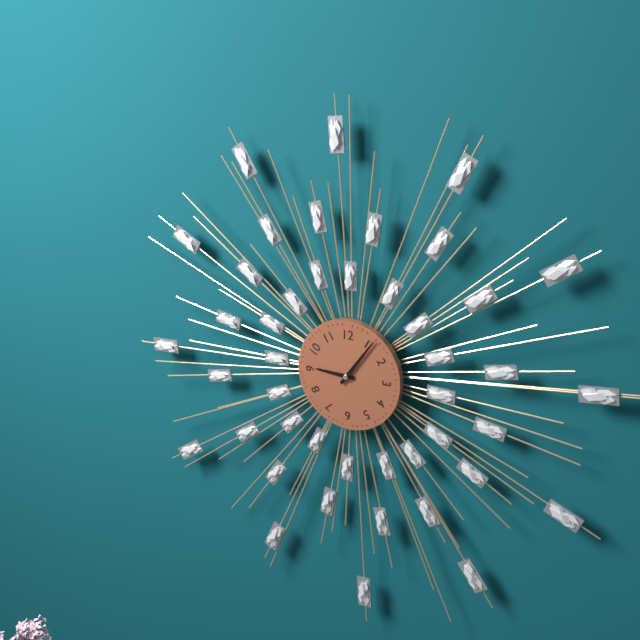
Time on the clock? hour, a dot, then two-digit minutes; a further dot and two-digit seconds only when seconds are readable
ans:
9.06
